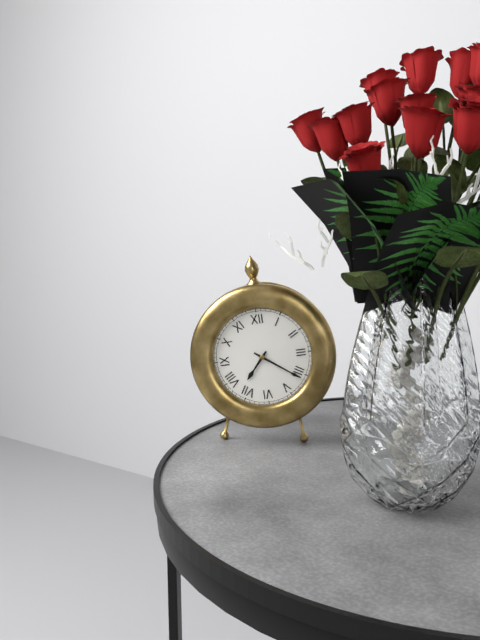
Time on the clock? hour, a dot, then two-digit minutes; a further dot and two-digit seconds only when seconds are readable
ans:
7.21
